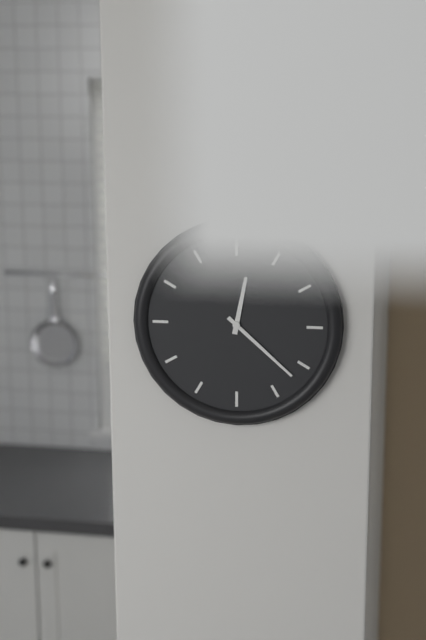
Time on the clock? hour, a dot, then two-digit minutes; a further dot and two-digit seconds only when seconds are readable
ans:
12.22
